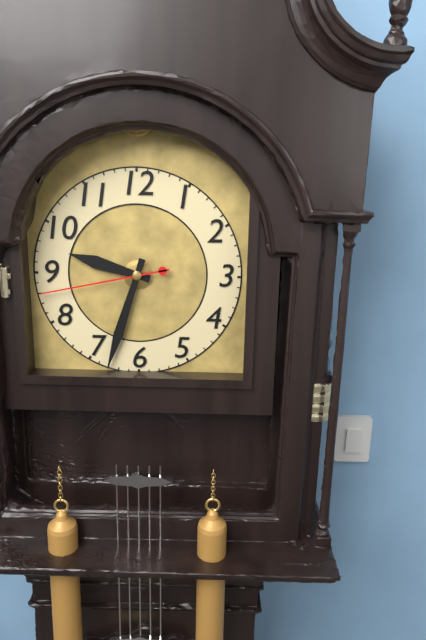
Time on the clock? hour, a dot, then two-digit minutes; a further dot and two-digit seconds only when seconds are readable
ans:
9.33.43
